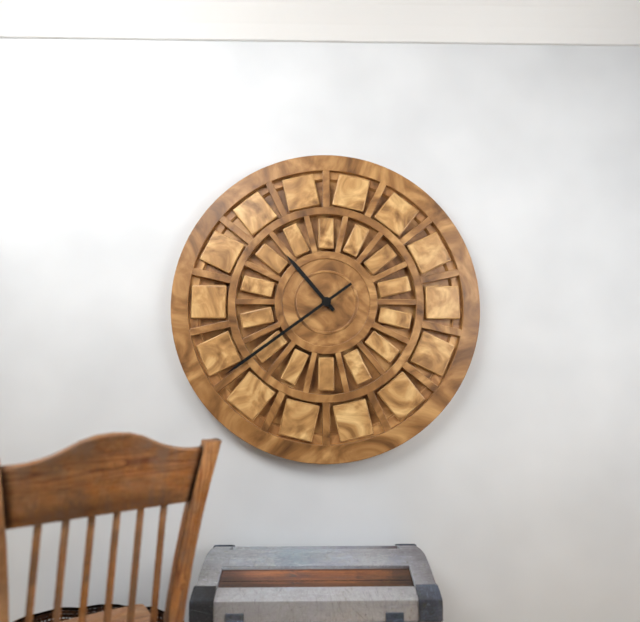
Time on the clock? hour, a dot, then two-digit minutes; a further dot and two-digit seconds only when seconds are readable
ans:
10.39
